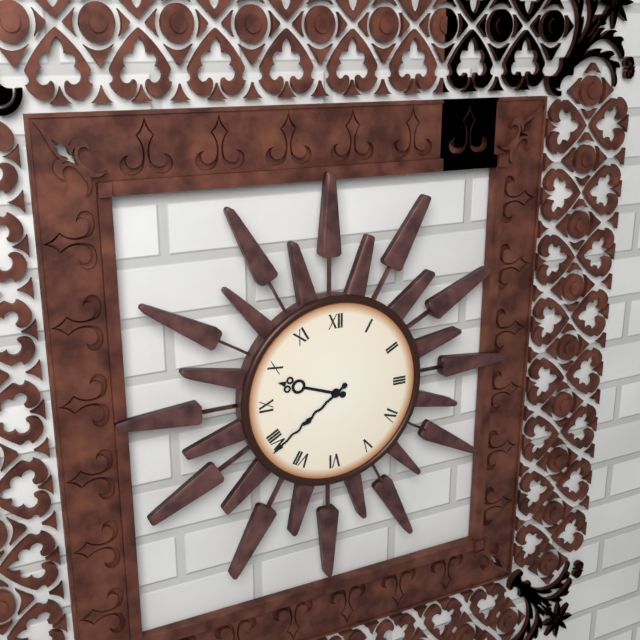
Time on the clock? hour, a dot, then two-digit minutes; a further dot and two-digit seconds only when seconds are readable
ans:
9.39
